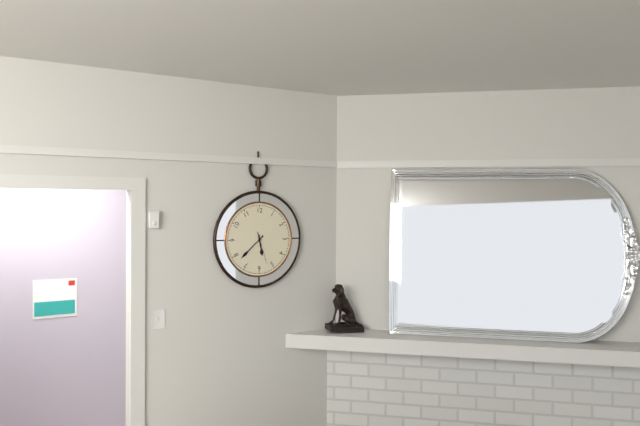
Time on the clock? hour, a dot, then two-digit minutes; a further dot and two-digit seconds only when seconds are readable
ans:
5.38
